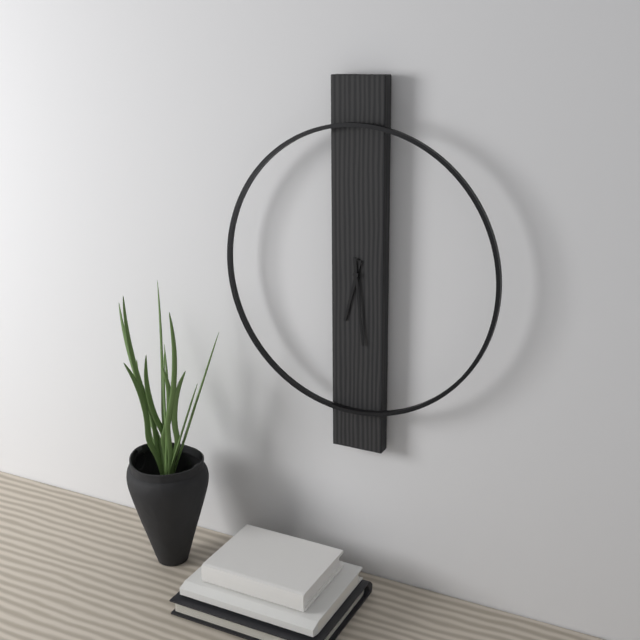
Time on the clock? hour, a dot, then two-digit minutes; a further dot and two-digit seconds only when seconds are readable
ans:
6.29
